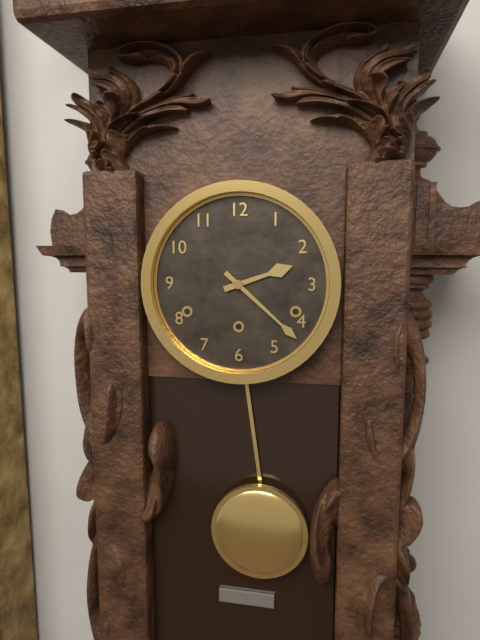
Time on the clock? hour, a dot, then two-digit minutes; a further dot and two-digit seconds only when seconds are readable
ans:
2.22
